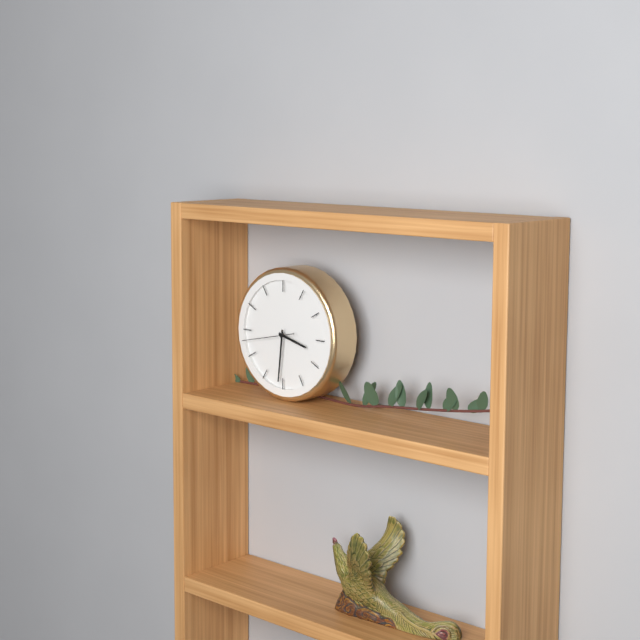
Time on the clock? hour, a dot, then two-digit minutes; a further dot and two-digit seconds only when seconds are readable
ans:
3.31.43
